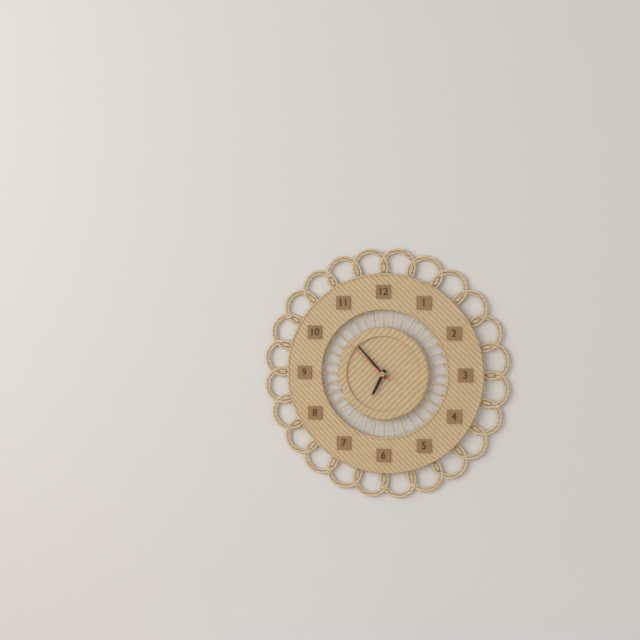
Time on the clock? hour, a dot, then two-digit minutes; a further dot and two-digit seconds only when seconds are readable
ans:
6.53.52
